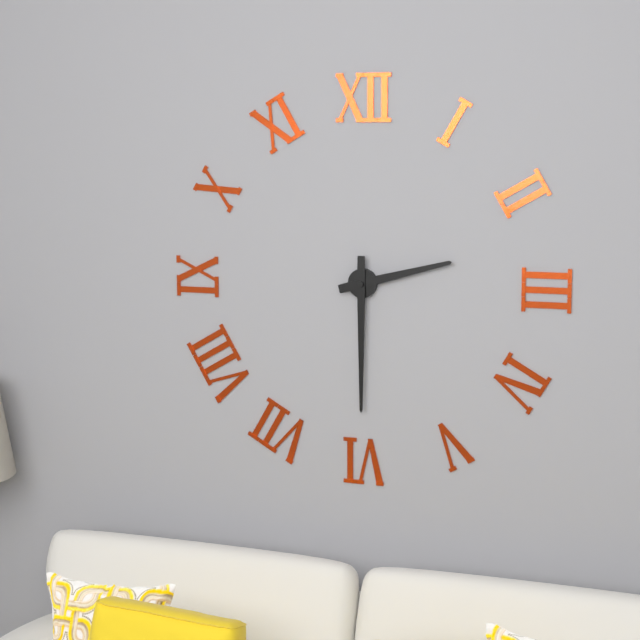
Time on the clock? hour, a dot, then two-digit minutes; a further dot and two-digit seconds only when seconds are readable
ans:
2.30
